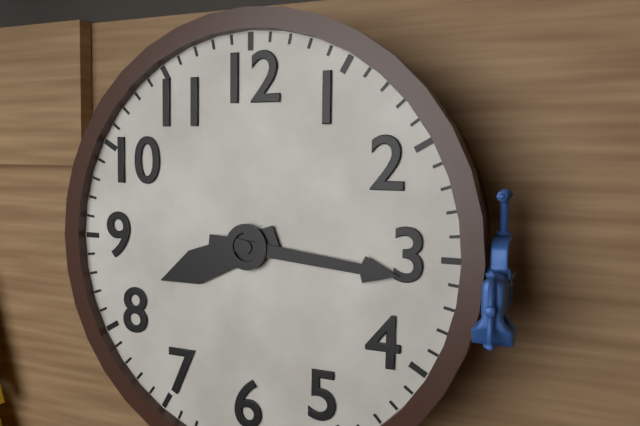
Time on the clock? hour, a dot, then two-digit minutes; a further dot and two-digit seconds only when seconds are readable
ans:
8.16
